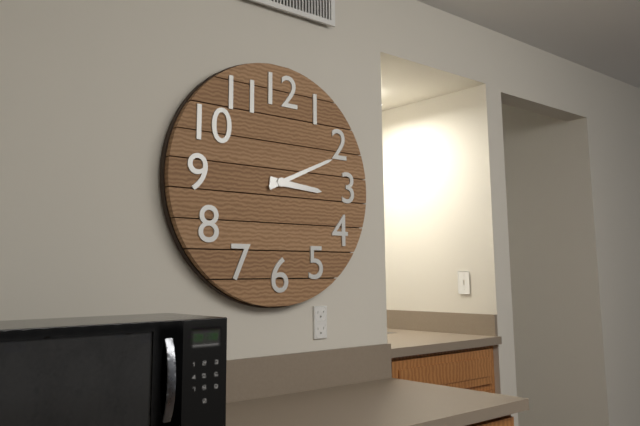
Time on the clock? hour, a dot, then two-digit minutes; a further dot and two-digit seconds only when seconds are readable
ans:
3.11
